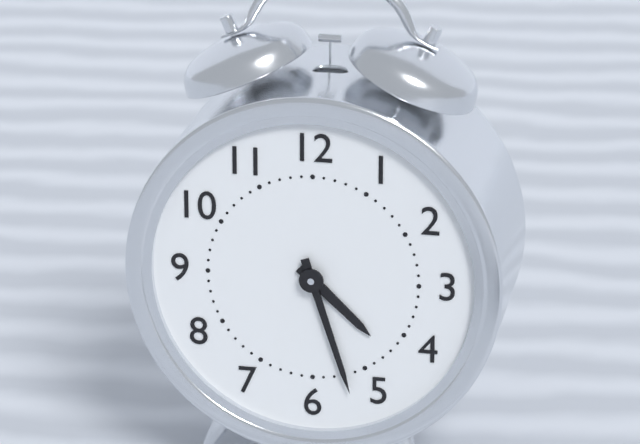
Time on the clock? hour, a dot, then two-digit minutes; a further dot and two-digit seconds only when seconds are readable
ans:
4.27
